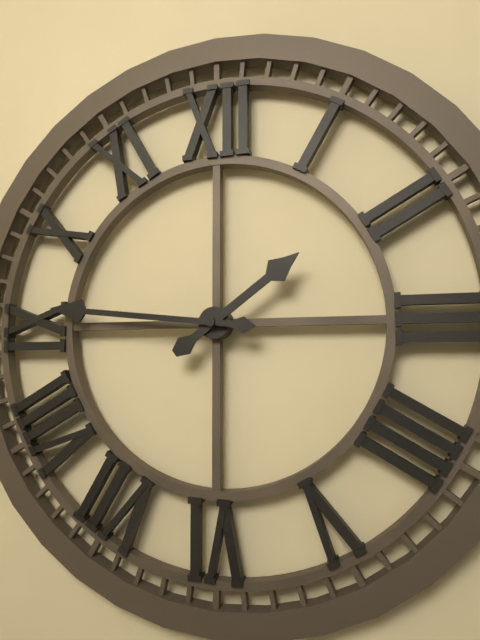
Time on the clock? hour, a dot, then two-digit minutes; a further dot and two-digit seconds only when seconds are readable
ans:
1.46
